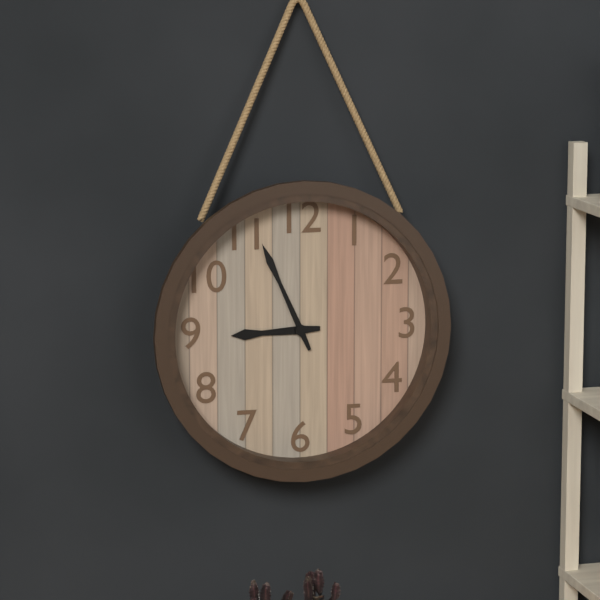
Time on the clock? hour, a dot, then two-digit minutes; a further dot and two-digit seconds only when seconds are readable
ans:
8.56
